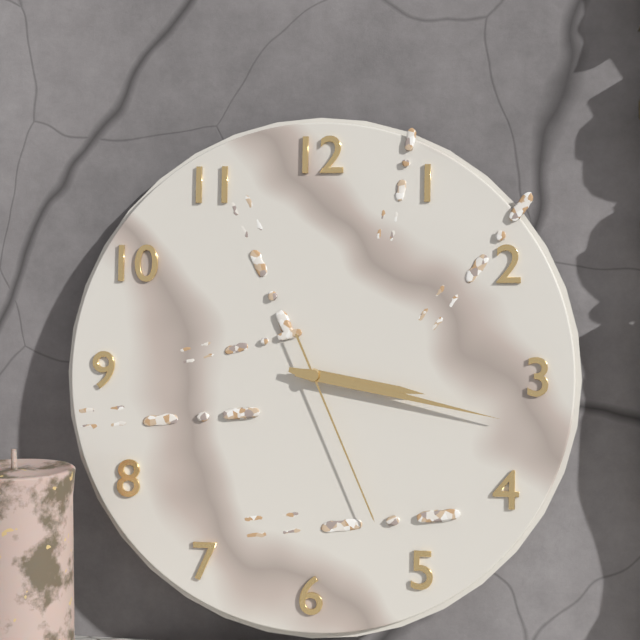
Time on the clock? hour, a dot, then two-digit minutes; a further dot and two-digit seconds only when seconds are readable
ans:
3.17.26
